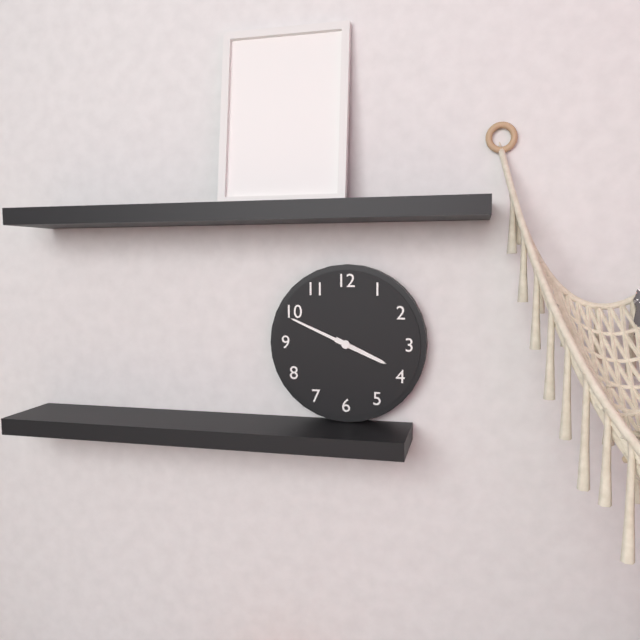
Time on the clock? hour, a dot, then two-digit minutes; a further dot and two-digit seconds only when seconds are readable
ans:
3.49
